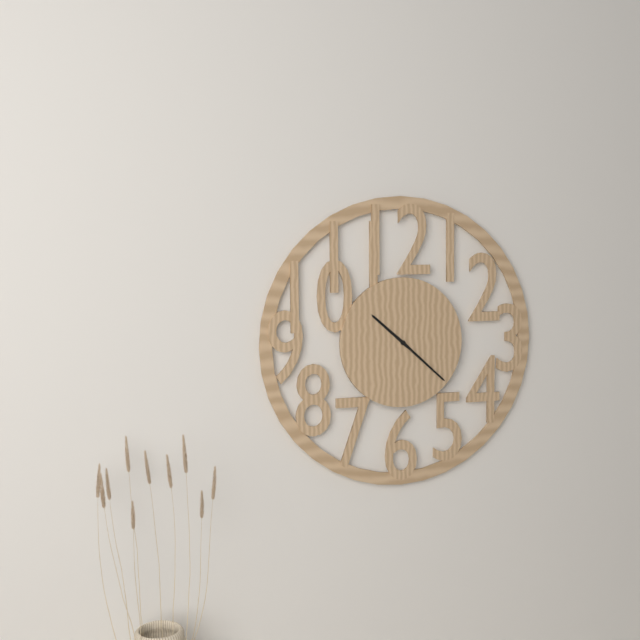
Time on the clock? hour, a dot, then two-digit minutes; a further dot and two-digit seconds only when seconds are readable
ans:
10.22
